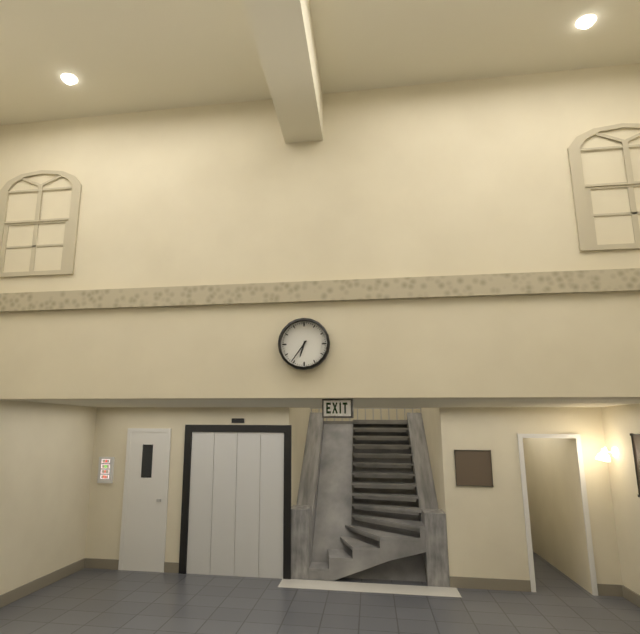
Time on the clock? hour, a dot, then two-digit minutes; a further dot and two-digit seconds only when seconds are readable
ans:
6.36
